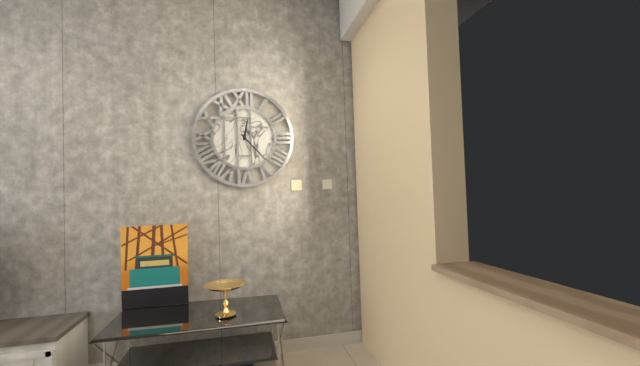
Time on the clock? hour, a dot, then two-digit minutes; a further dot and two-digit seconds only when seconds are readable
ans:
12.23
